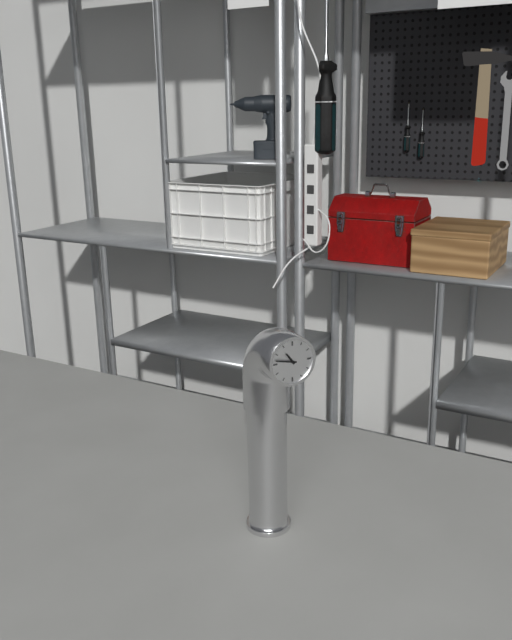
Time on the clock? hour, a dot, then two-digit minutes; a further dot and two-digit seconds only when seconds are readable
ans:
10.47
